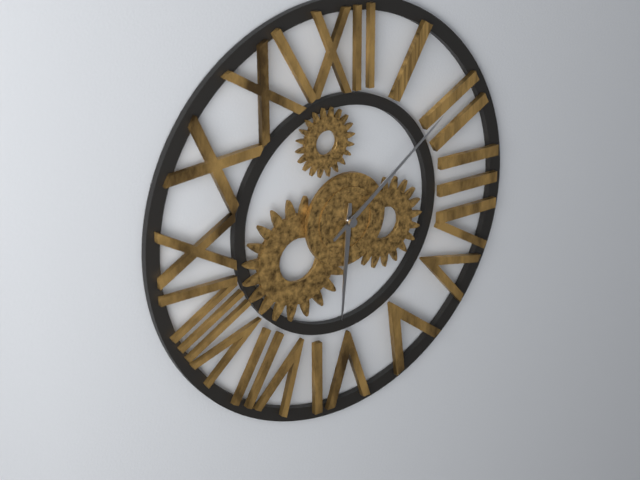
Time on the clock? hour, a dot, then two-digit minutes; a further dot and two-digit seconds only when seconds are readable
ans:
6.09
